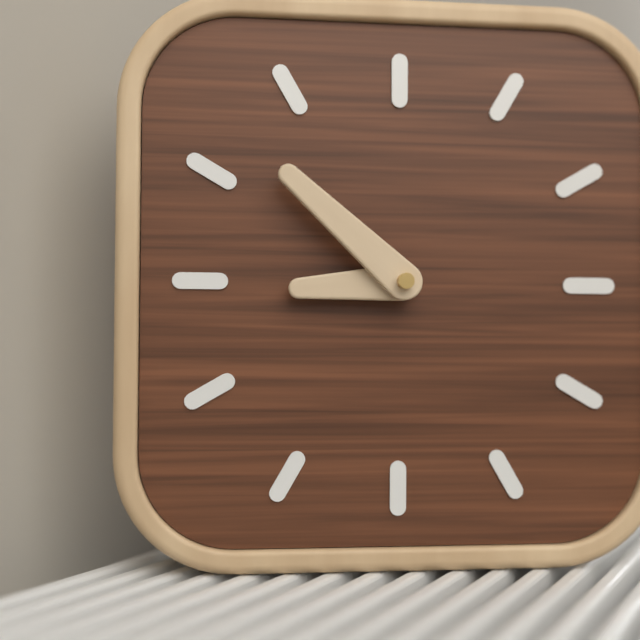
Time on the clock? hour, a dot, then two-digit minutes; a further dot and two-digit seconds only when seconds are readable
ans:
8.52
